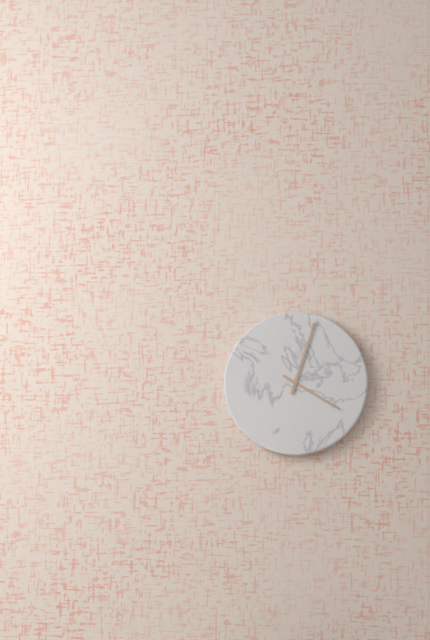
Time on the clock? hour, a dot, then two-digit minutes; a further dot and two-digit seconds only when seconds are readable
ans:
4.03
